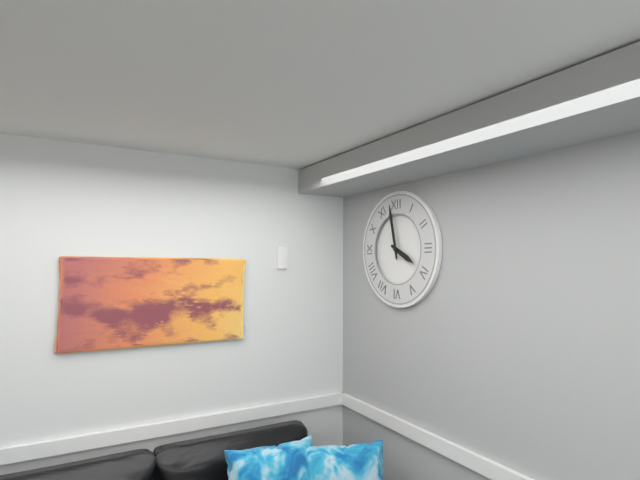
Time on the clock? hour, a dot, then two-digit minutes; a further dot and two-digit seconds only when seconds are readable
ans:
3.58
